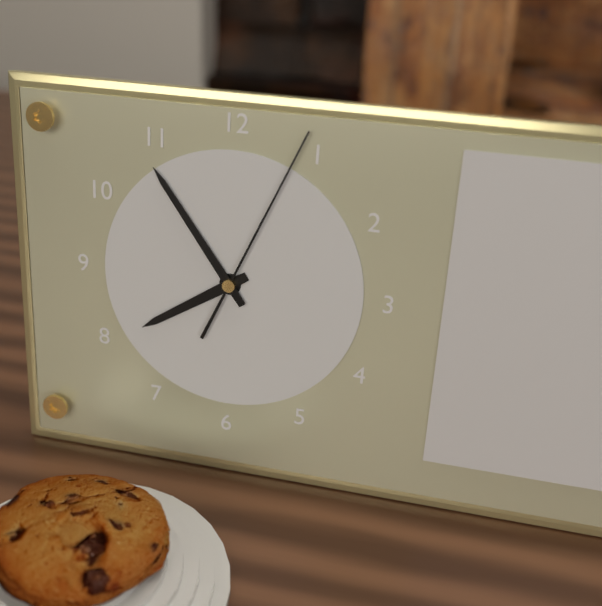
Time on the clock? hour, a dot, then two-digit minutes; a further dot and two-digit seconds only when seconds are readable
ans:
7.54.04
